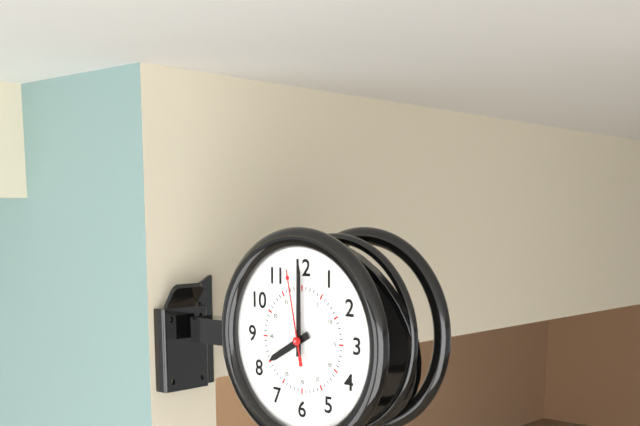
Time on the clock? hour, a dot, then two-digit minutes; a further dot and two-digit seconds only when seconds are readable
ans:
8.00.58
